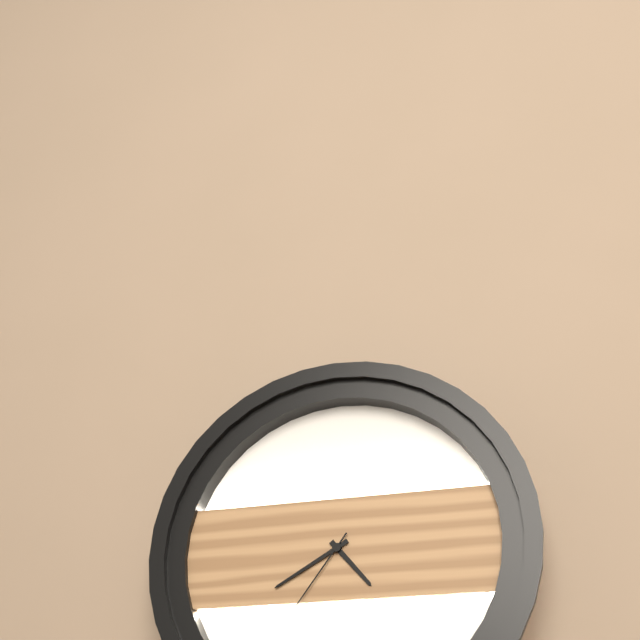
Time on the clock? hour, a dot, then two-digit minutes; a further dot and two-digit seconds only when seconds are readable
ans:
4.40.36
